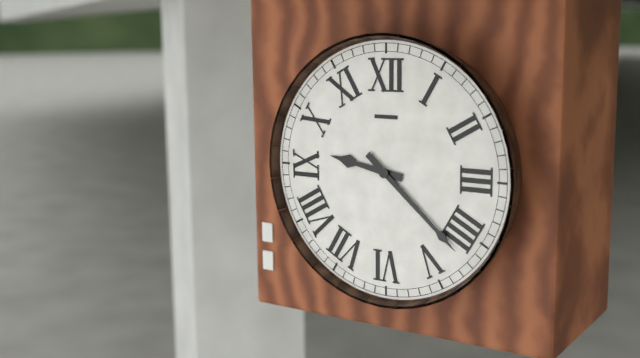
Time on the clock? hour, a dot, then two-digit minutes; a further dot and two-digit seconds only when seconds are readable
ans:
9.22
